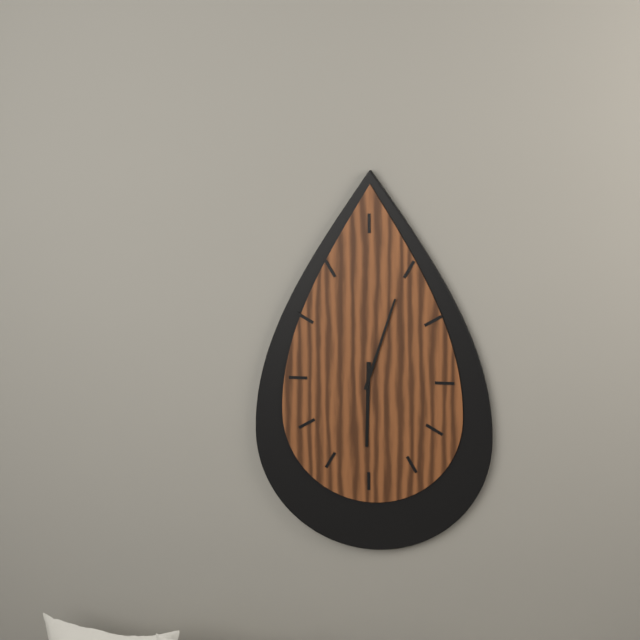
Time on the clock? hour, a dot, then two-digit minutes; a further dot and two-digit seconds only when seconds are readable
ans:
6.03
